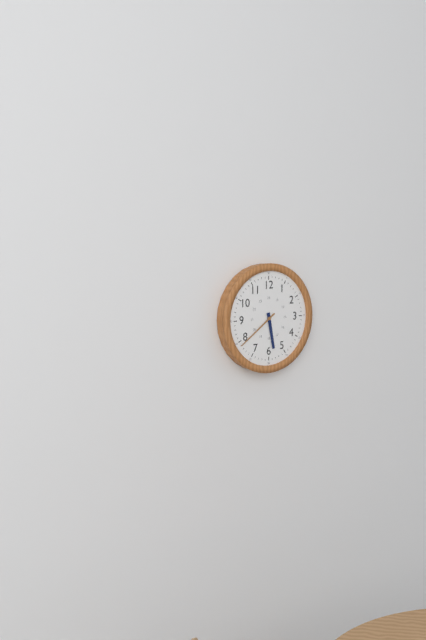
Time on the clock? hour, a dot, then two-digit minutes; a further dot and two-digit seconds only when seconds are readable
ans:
5.39
